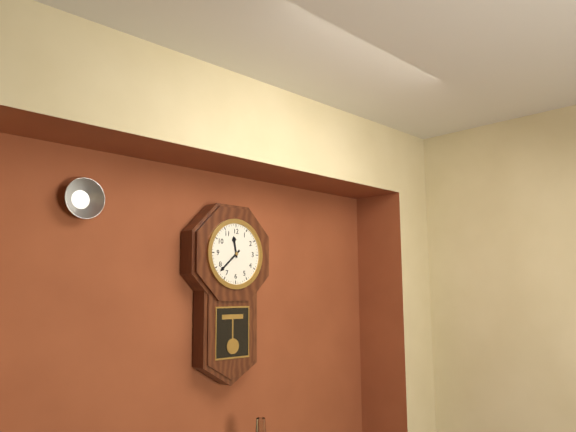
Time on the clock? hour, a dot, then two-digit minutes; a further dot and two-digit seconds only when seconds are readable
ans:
11.38
